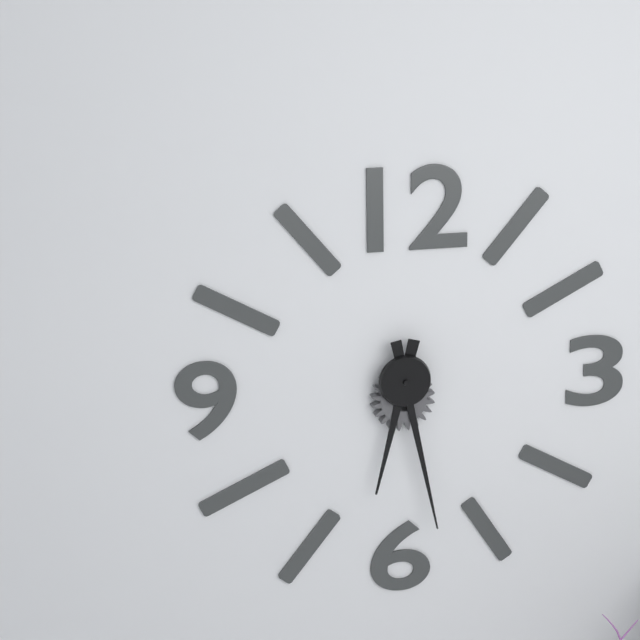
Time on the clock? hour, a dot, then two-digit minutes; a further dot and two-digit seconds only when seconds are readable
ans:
6.28
